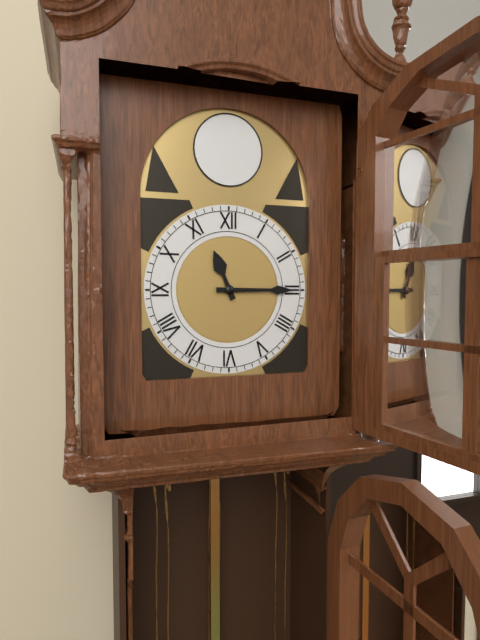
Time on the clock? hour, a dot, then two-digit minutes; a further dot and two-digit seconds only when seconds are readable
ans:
11.15
